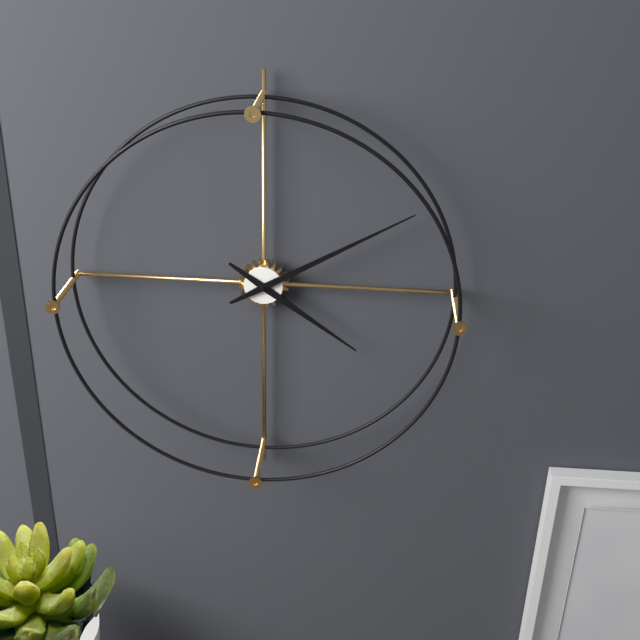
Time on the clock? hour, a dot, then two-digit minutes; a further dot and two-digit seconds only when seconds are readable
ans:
4.10
